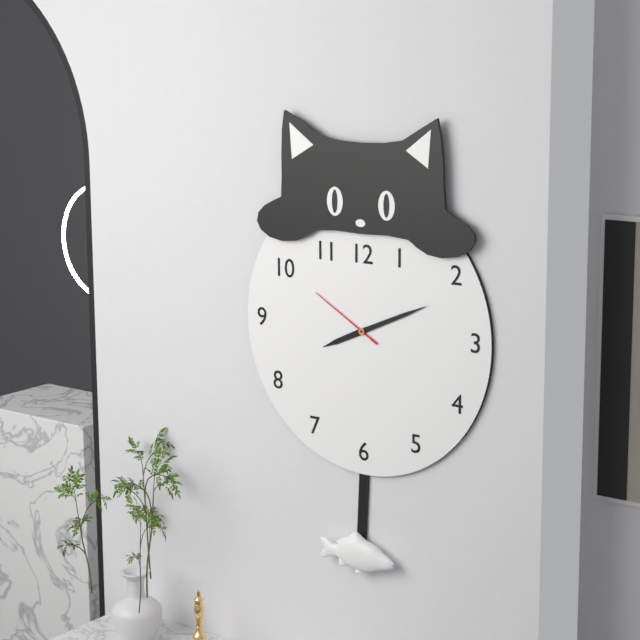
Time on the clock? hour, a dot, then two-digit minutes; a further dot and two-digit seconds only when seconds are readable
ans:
8.11.50
